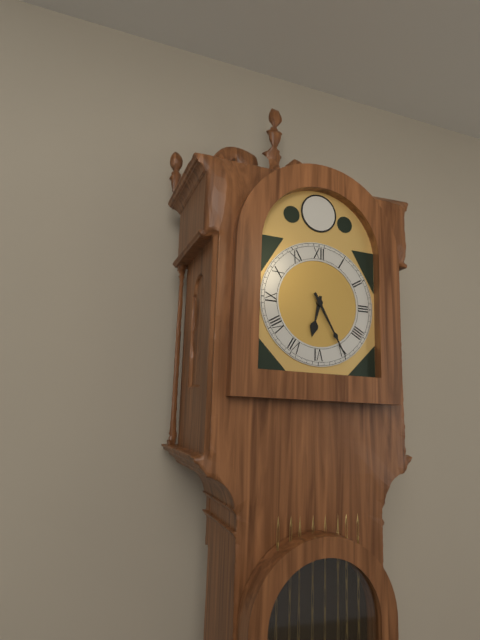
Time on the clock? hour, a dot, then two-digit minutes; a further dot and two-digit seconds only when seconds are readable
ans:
6.25
